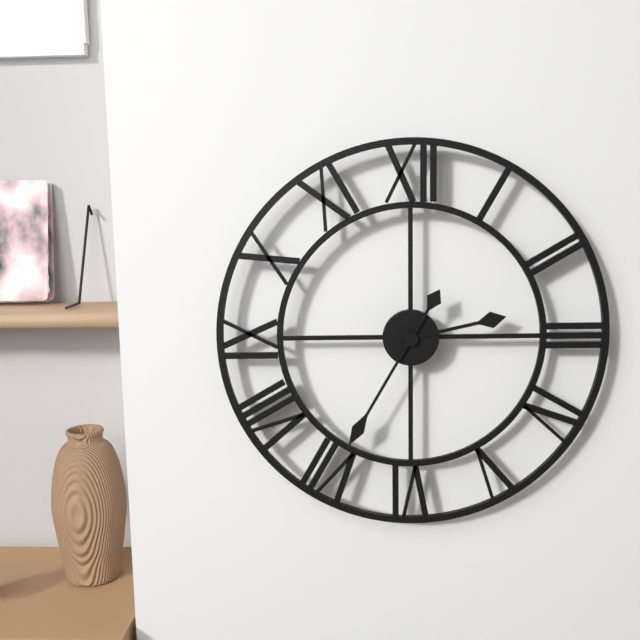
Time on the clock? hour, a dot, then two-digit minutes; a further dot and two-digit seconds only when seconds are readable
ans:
2.35
